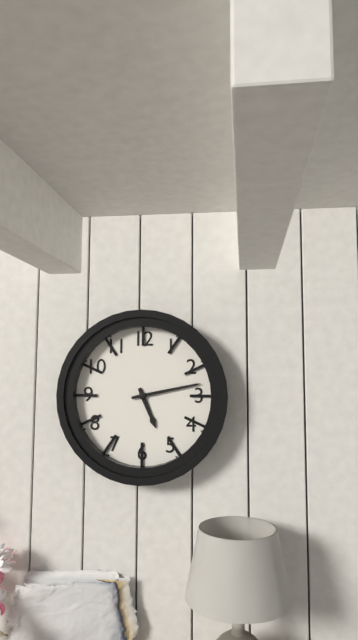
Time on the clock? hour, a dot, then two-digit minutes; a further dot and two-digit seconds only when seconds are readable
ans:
5.13
